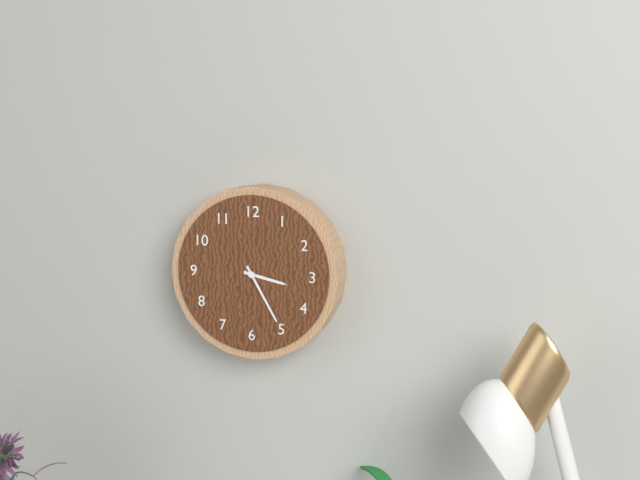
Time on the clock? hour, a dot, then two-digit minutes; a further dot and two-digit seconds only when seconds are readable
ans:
3.25
